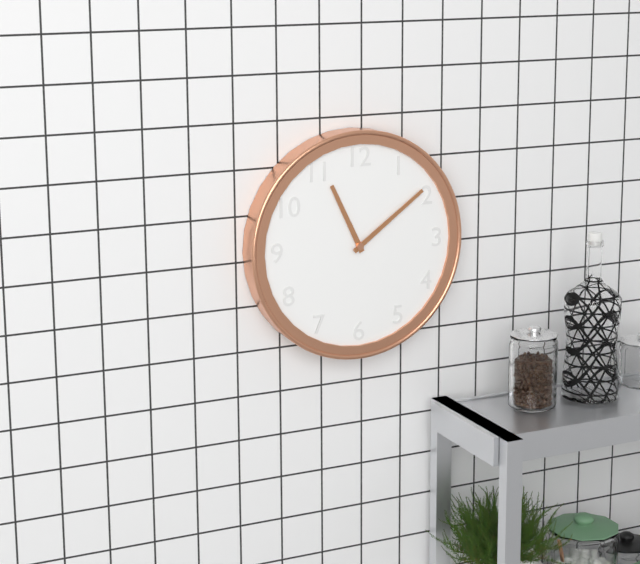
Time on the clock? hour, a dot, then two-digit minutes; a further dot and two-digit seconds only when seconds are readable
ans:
11.09
